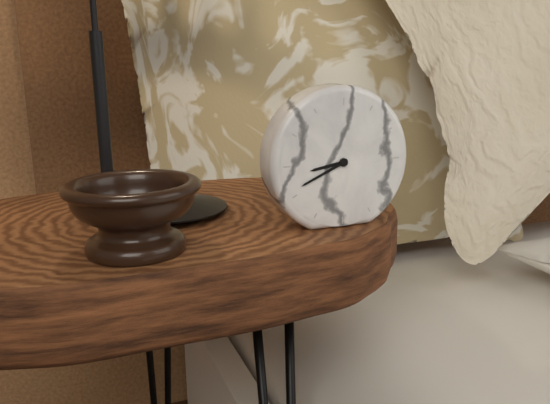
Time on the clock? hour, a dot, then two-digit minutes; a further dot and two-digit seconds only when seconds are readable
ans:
8.41
